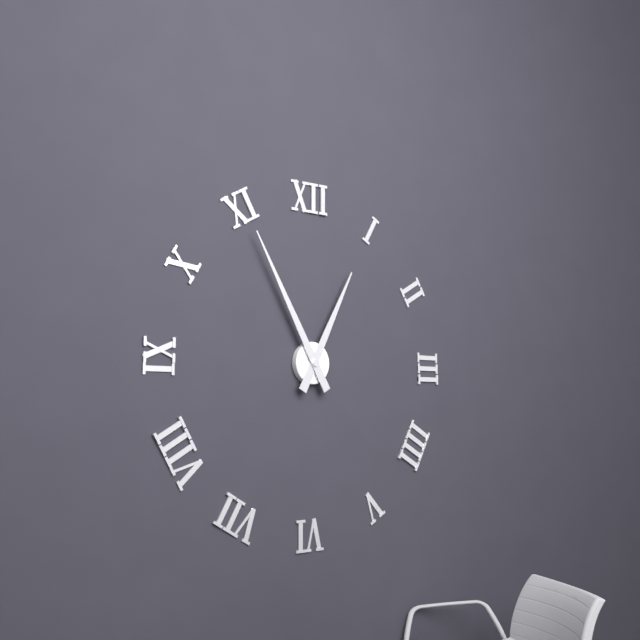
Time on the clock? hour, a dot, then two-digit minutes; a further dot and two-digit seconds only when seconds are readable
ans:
12.55
